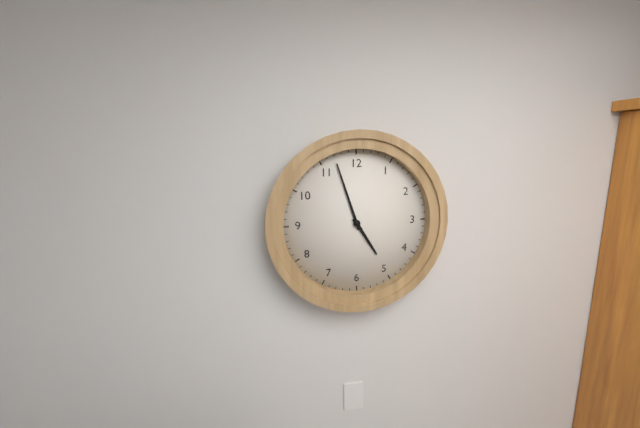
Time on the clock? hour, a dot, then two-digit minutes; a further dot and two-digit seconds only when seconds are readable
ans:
4.57
